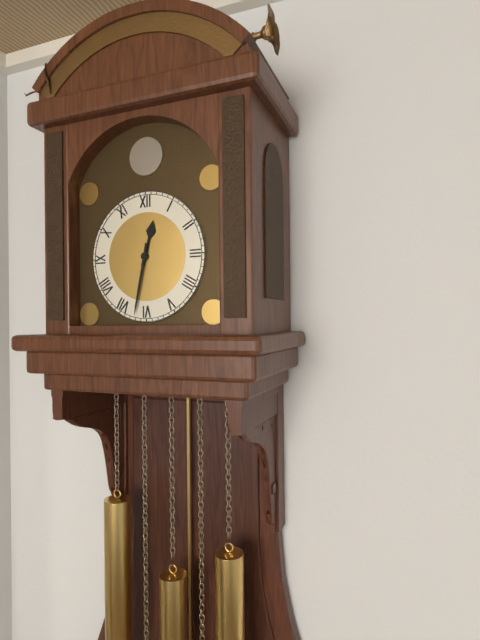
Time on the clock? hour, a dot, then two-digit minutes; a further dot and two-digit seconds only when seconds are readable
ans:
12.32
